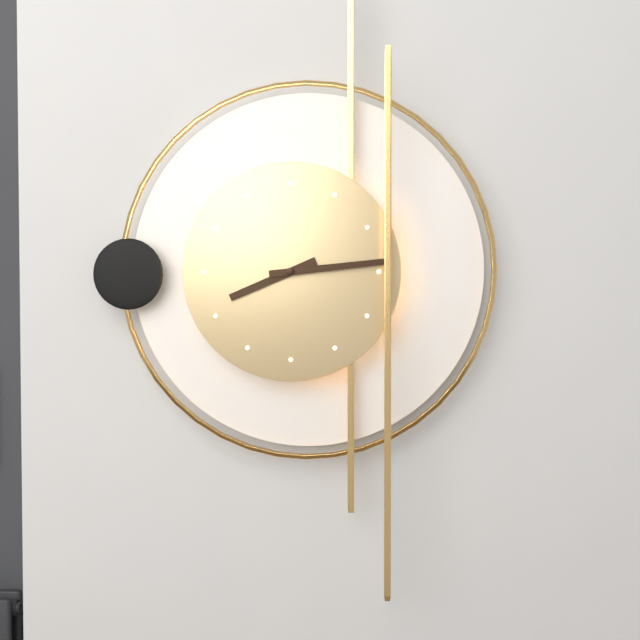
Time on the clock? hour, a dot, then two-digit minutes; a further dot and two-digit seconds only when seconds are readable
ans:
8.14
